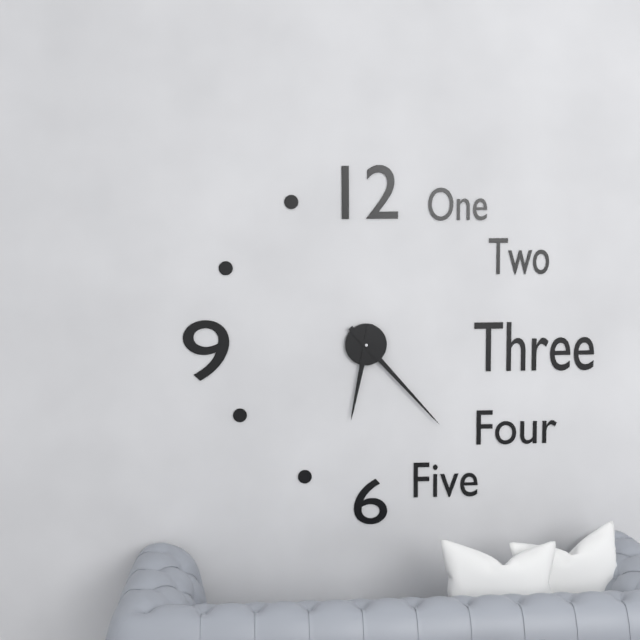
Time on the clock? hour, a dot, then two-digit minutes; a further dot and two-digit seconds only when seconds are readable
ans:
6.23
